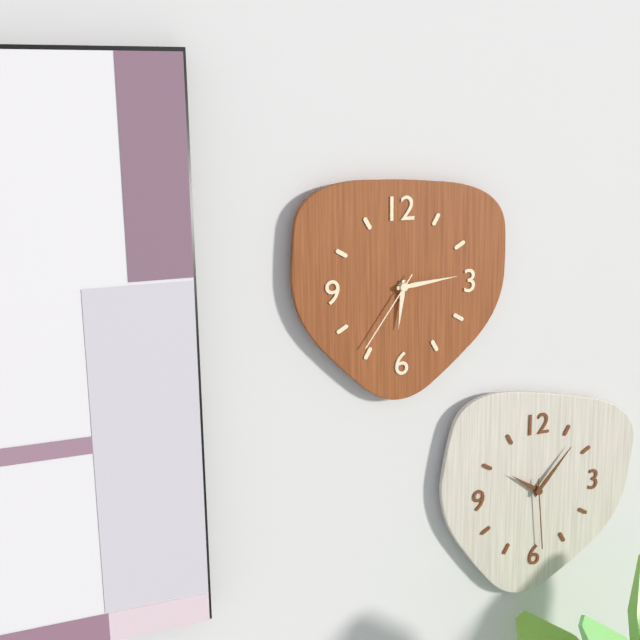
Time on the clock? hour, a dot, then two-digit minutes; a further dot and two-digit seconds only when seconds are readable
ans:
6.14.36
